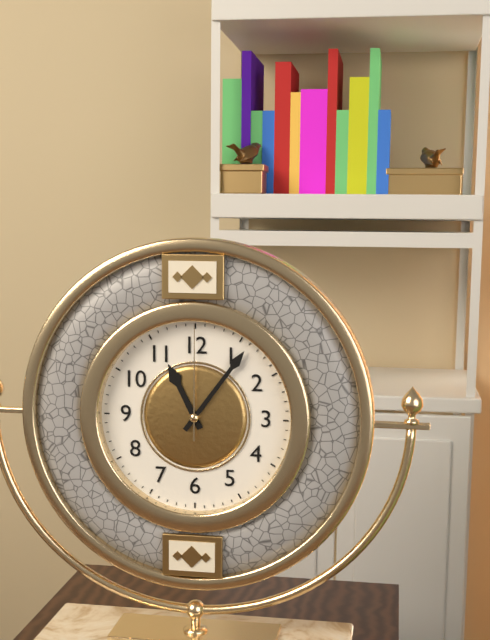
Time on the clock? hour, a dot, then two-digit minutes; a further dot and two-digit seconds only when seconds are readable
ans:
11.06.00
